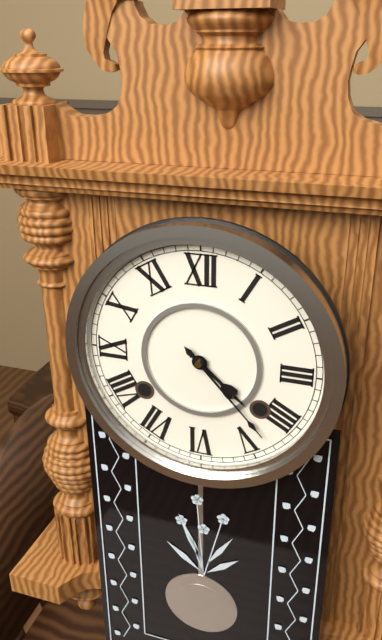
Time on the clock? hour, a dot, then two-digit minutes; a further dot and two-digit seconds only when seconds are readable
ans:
4.23
